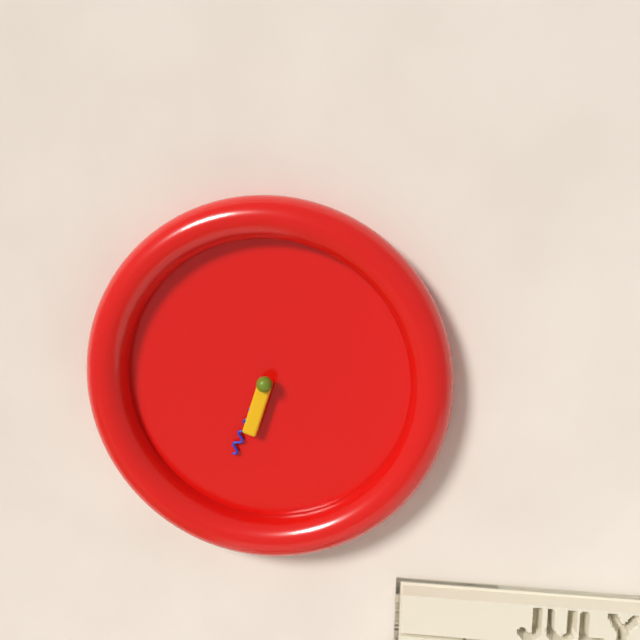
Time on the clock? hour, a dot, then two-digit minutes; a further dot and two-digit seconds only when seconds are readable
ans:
6.34
